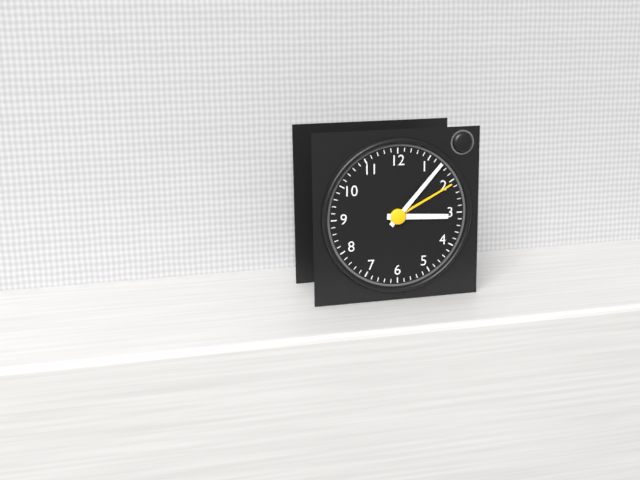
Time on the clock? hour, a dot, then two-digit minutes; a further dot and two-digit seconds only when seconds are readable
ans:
3.07
